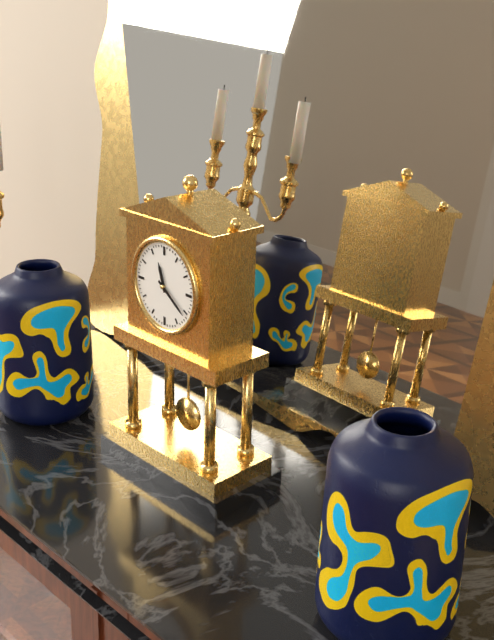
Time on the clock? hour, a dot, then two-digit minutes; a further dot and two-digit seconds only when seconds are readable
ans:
11.21
